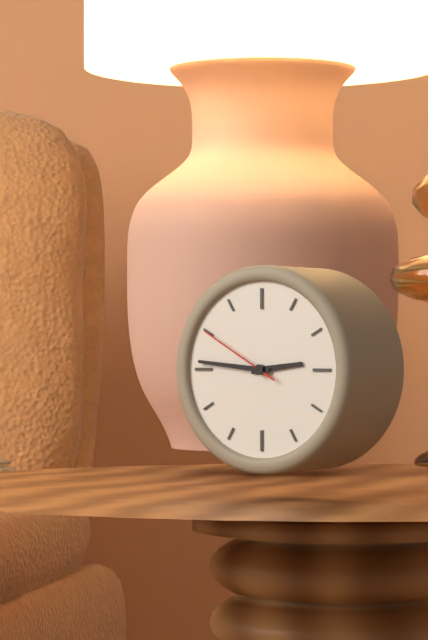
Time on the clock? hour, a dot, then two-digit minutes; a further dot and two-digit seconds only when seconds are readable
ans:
2.46.50
